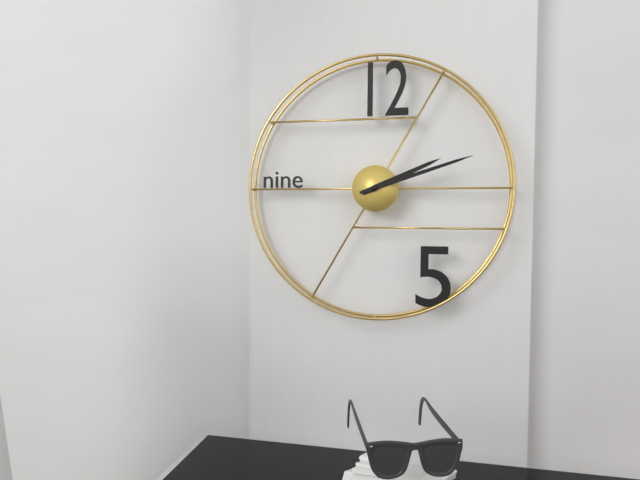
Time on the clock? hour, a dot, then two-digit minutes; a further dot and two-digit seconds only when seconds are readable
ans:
2.12
